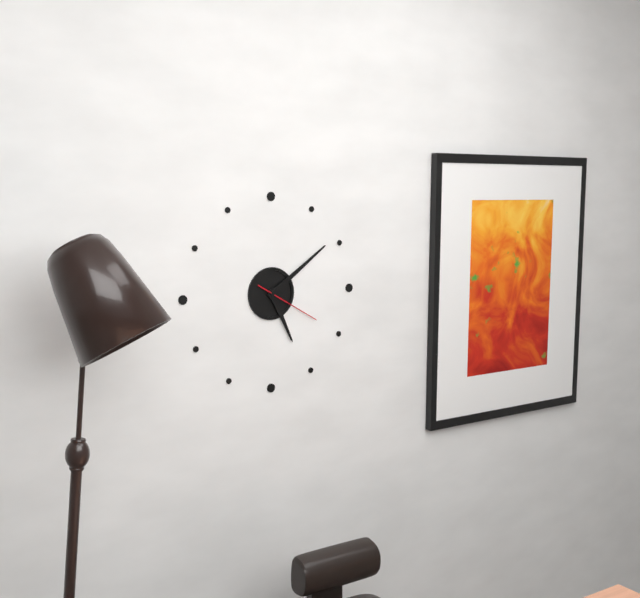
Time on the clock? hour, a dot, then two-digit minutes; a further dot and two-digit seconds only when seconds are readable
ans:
5.09.20
